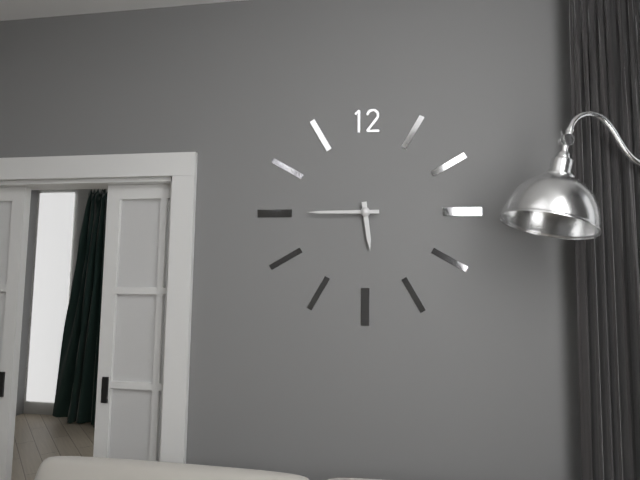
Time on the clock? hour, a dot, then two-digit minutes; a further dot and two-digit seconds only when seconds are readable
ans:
5.45
